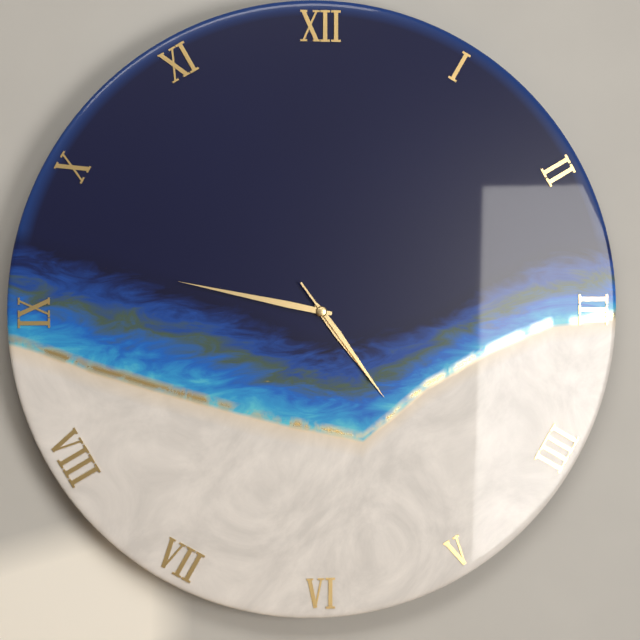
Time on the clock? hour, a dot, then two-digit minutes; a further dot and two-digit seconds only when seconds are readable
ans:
4.47.24
